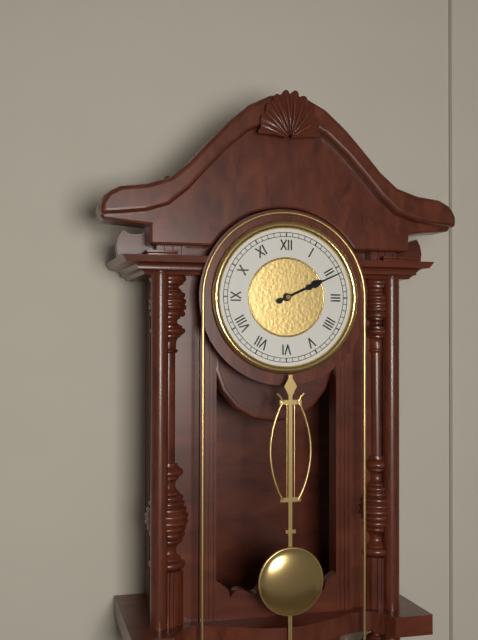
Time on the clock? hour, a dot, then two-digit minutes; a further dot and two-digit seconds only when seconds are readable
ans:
2.11
